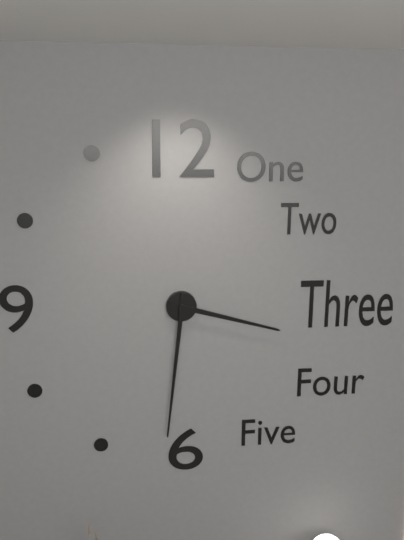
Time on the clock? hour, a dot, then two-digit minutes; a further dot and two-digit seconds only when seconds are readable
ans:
3.31
